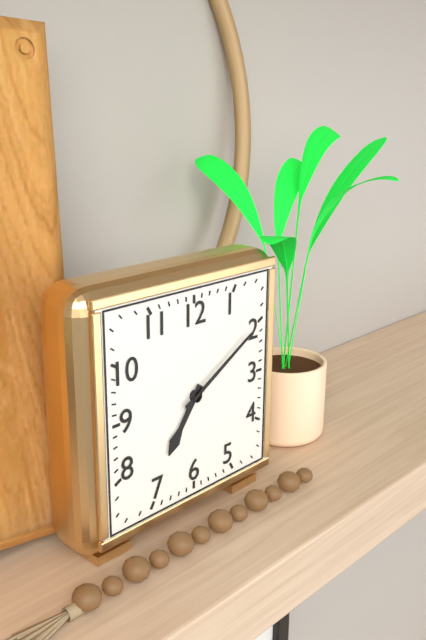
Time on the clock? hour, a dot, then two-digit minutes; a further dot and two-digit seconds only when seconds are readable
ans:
7.10
